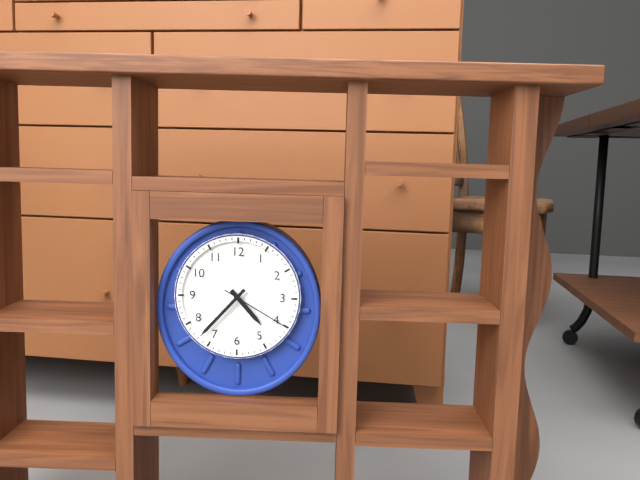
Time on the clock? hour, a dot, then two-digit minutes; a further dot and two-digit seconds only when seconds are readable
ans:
4.37.20
